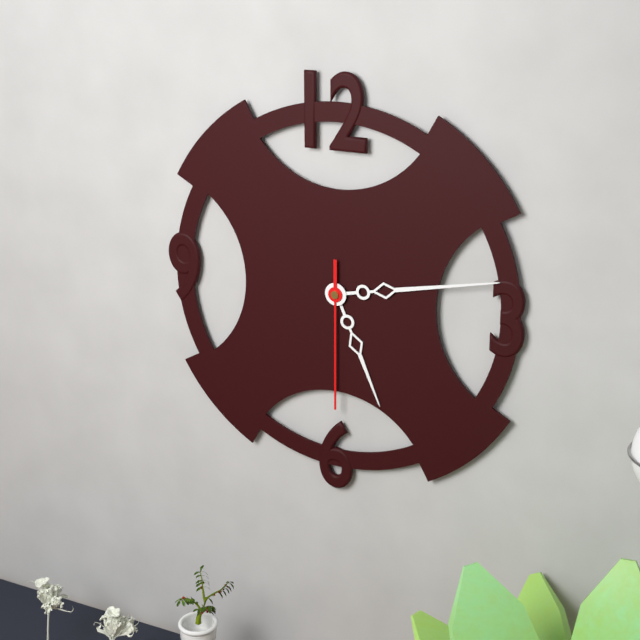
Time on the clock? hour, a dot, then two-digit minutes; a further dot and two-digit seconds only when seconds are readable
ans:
5.13.30
